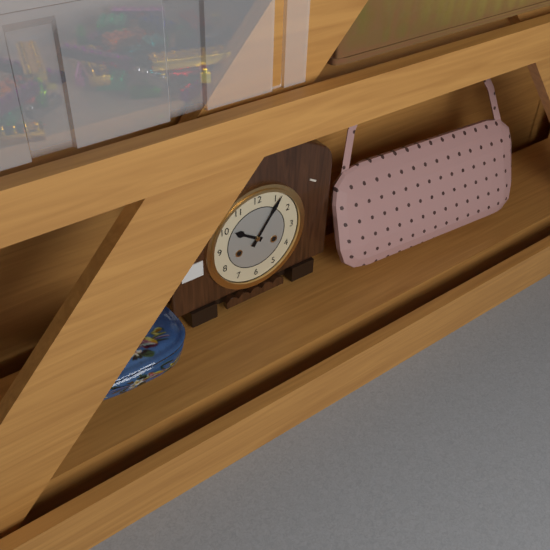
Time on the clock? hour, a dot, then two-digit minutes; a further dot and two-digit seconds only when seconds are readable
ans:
10.06
